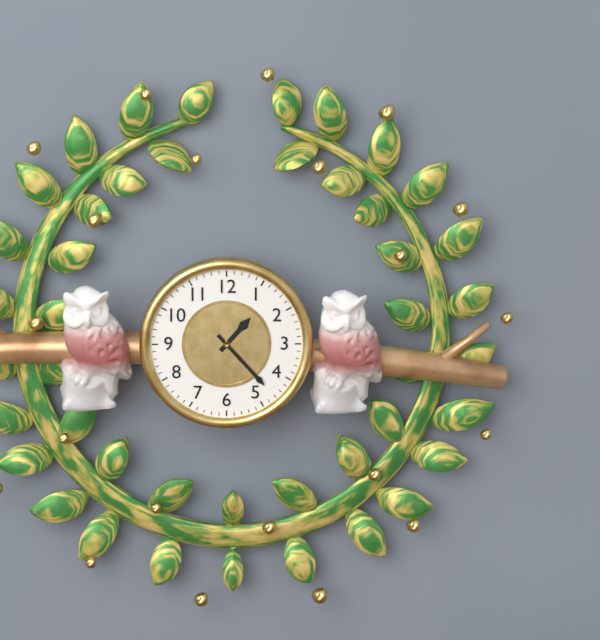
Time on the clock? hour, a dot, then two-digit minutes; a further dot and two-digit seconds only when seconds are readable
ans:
1.23
